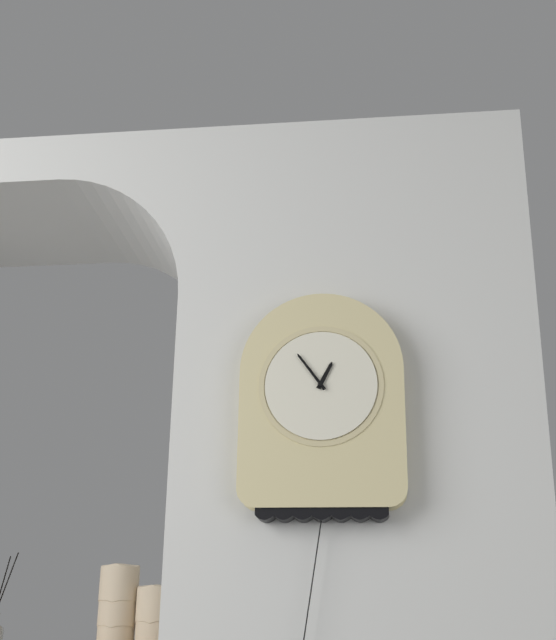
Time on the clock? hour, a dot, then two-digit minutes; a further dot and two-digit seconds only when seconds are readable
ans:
12.54
